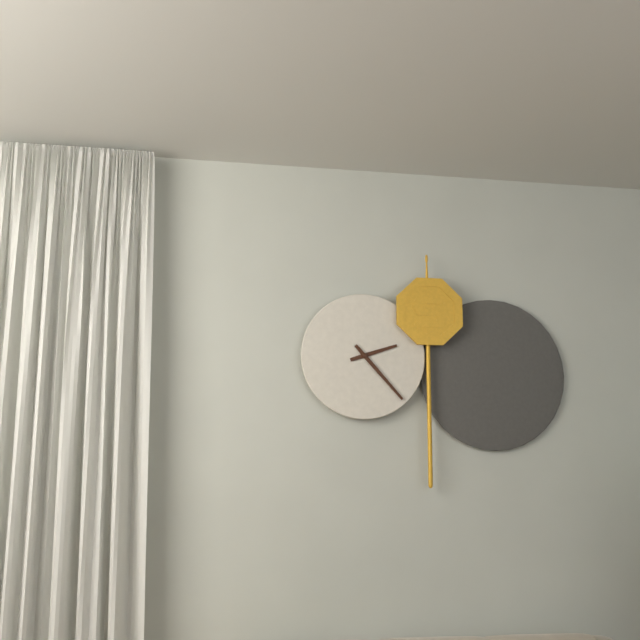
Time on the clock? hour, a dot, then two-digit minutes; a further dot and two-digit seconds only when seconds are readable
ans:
2.23
